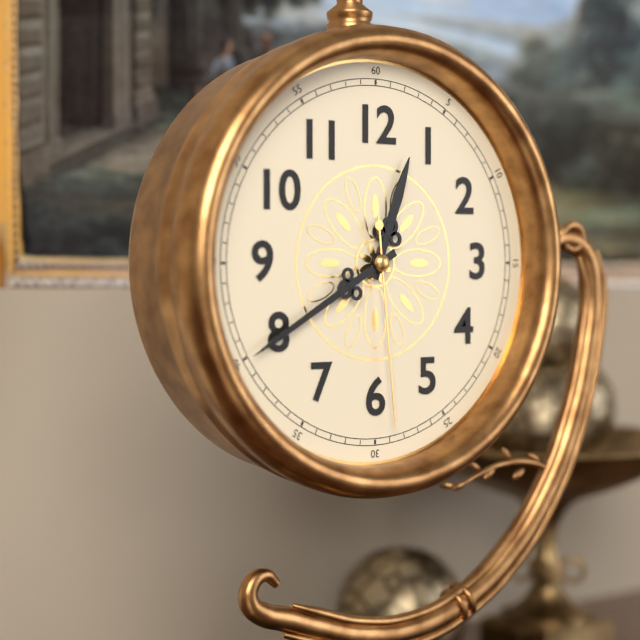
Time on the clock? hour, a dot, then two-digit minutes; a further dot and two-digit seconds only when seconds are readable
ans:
12.40.29
